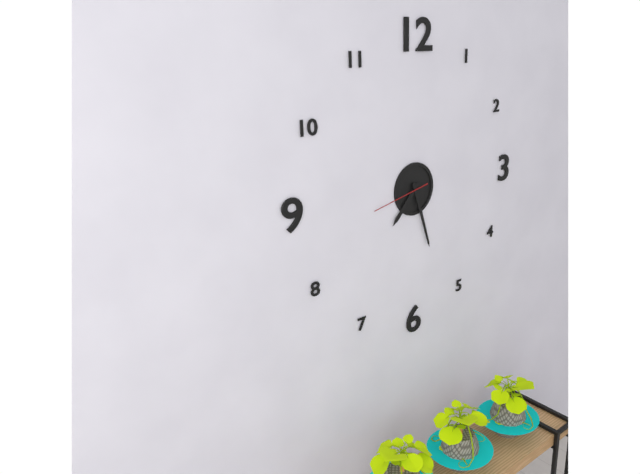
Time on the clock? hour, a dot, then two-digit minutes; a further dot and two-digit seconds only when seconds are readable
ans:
7.27.43
